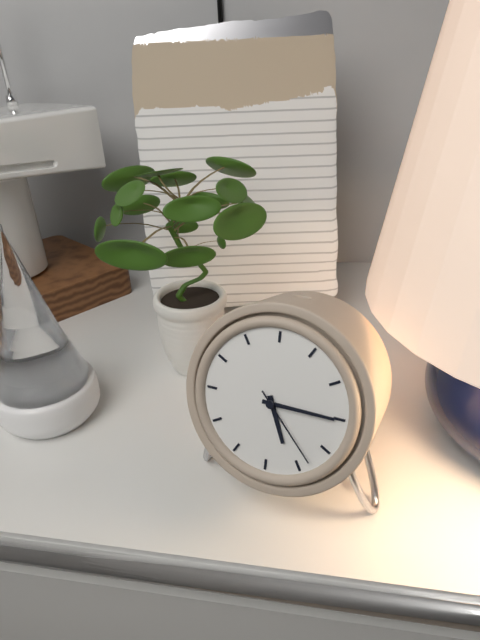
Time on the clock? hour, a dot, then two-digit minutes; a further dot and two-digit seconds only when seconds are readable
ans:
5.15.23
